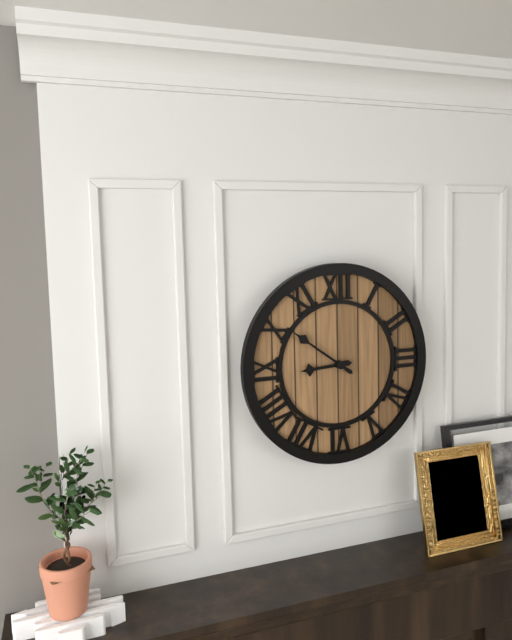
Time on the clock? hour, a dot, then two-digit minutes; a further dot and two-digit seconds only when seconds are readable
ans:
8.51
